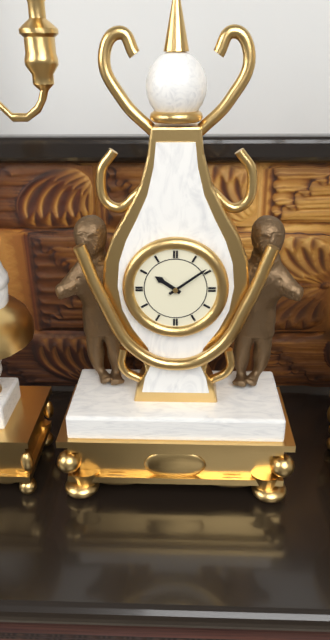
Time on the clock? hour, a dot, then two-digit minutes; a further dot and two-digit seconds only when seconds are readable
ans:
10.09
